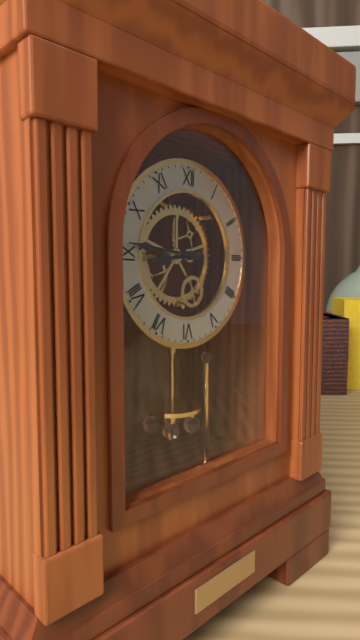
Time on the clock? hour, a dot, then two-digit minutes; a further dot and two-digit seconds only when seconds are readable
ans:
8.46
